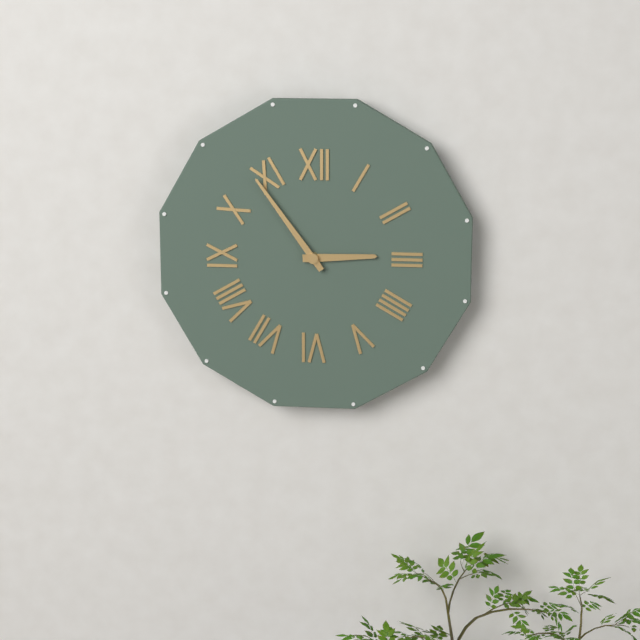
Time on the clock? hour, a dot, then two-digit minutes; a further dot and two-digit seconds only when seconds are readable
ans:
2.54
